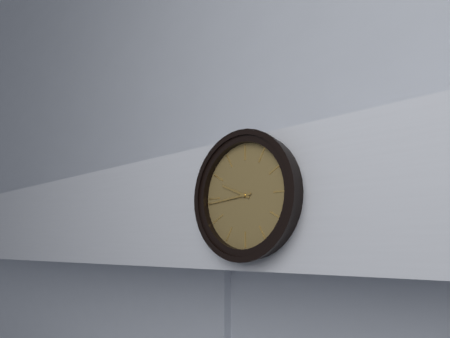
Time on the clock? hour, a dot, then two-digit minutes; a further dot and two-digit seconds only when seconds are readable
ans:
9.44
